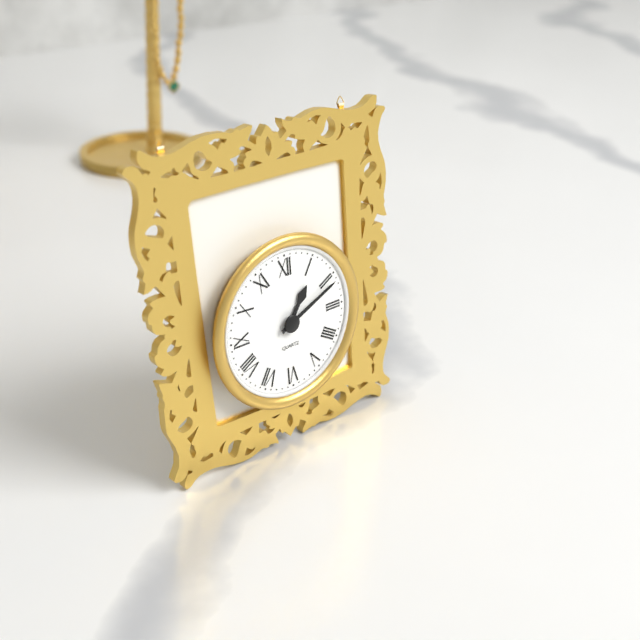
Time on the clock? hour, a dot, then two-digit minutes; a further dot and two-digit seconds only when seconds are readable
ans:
1.11
